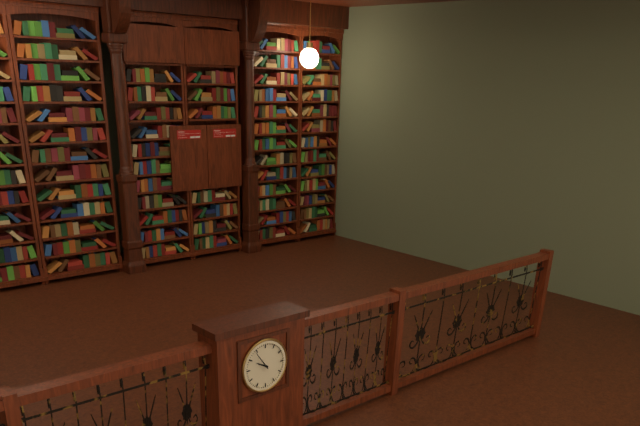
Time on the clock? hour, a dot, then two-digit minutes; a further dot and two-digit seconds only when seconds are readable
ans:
9.54
